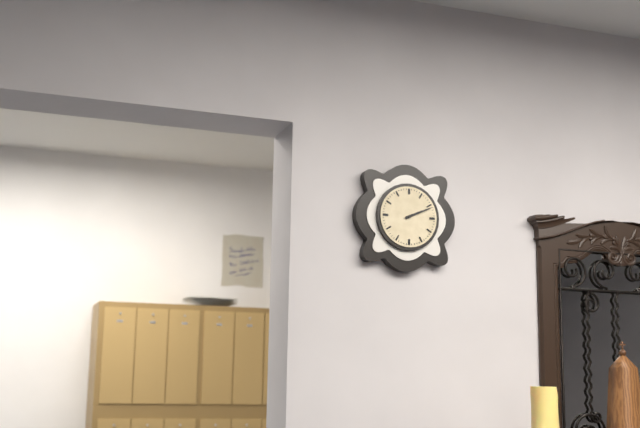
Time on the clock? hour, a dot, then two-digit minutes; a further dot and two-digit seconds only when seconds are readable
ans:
2.11
